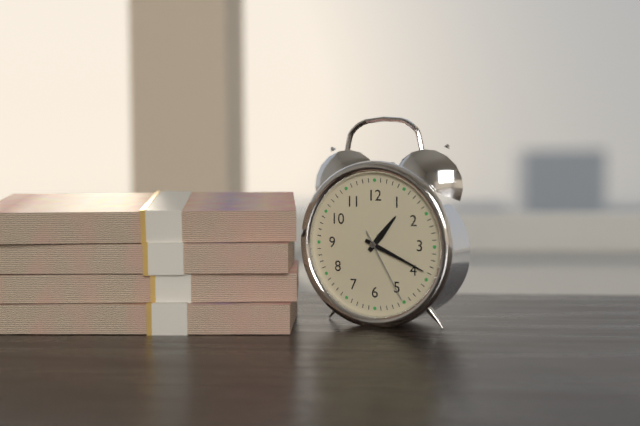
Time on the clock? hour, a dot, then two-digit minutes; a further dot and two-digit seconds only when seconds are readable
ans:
1.19.25
